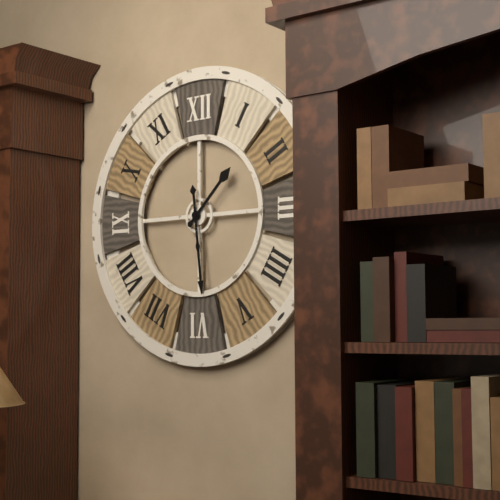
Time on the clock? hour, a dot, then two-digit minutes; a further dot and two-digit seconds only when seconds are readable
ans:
1.29
